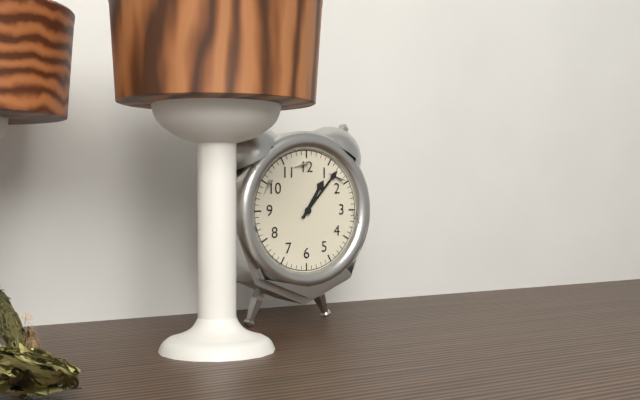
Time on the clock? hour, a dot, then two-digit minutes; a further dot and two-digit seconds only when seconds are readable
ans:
1.07
